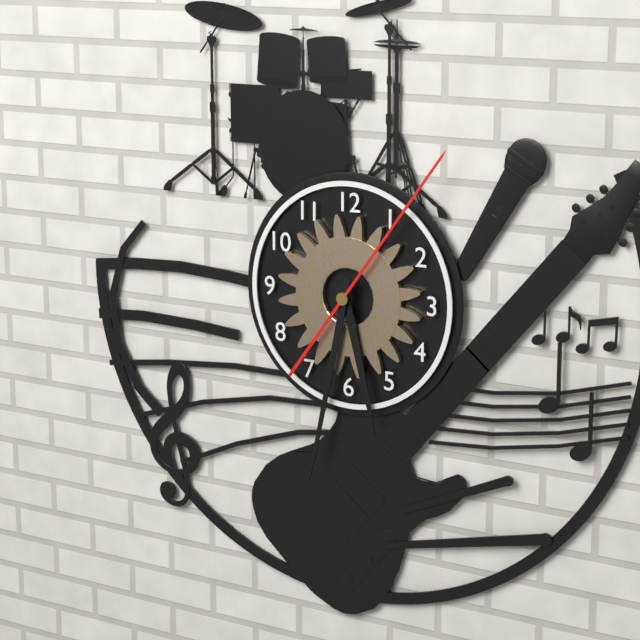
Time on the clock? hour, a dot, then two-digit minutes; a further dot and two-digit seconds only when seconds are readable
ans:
5.32.06
